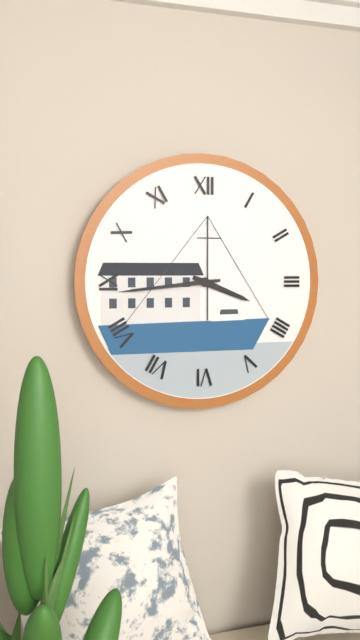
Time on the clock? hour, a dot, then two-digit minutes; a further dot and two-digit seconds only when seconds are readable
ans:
3.44
